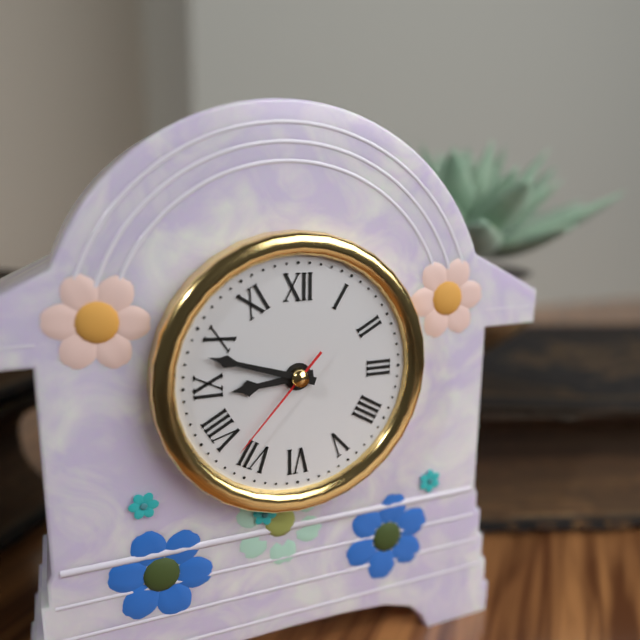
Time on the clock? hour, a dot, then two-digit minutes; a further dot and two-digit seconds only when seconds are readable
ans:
8.48.37
